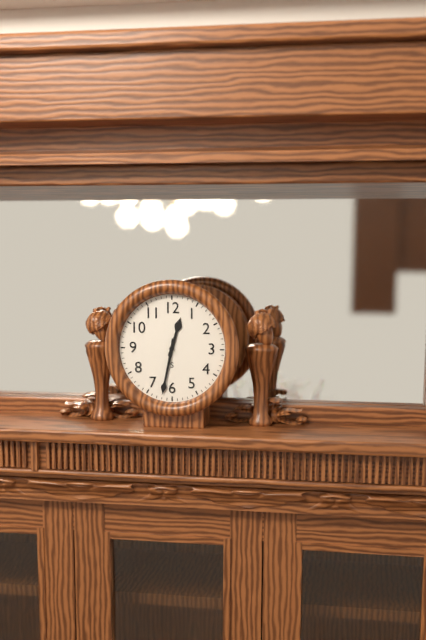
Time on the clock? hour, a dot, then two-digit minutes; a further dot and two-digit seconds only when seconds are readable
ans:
12.32
